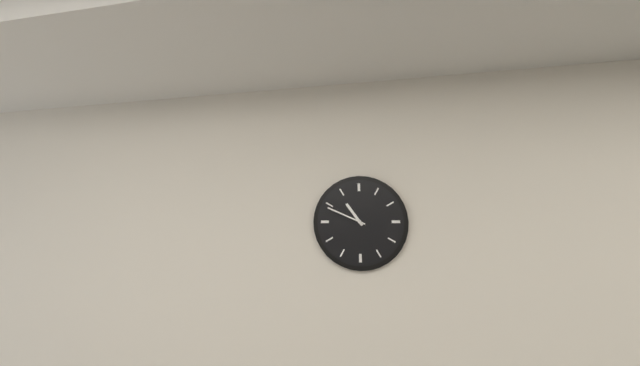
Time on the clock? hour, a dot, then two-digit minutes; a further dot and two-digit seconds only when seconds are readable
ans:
10.49
